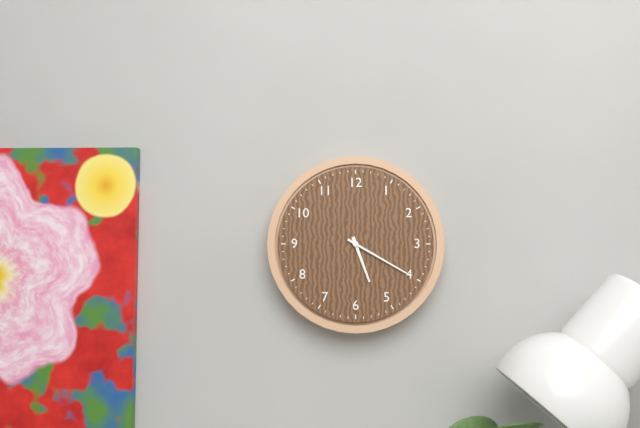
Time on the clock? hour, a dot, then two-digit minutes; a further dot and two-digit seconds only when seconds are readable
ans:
5.20
